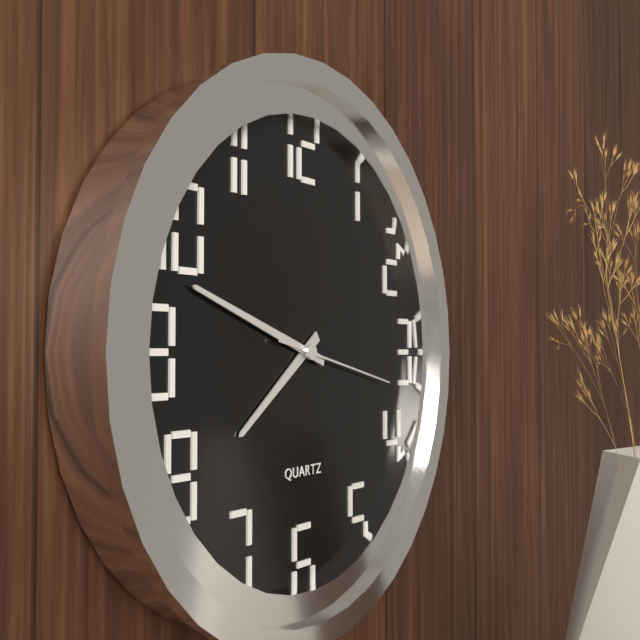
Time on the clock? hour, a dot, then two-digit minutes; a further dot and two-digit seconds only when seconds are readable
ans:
7.48.17
